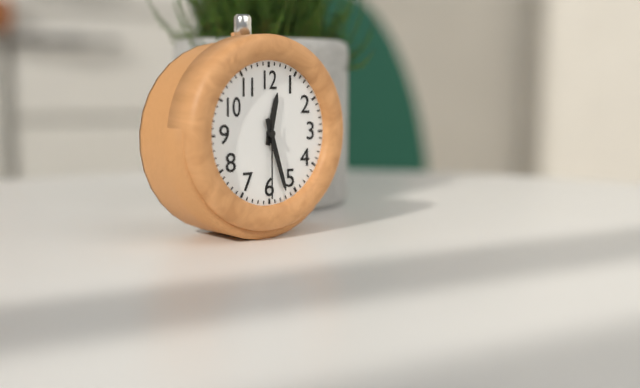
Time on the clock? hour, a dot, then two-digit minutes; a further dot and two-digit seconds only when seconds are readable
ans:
12.27.30
